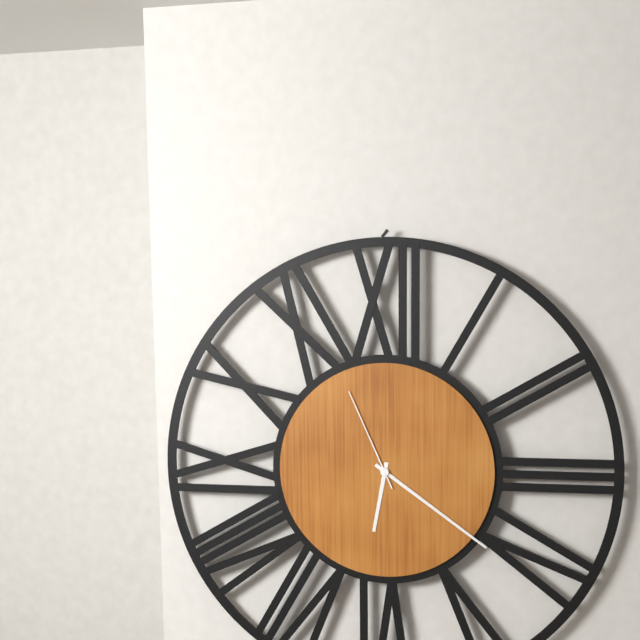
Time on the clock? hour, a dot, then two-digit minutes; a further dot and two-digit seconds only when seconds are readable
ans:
6.21.56
